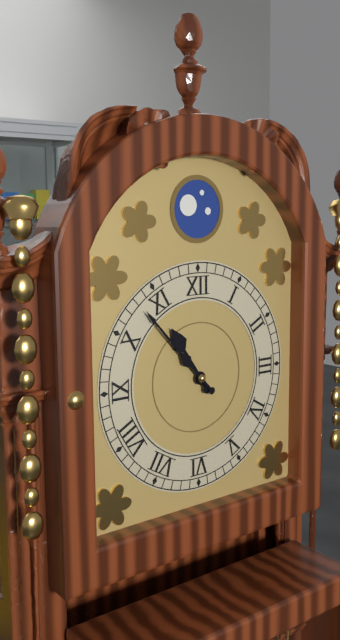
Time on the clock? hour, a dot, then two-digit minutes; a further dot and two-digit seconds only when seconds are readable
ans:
10.53
